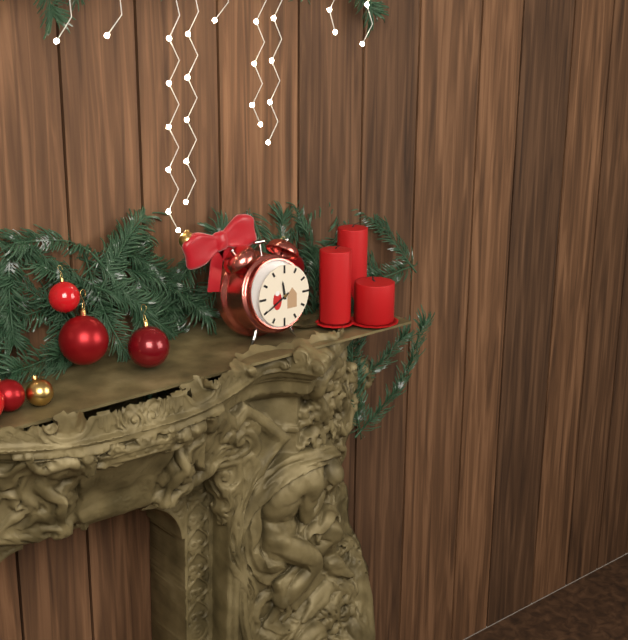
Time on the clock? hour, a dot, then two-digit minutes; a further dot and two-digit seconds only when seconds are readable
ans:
11.40
